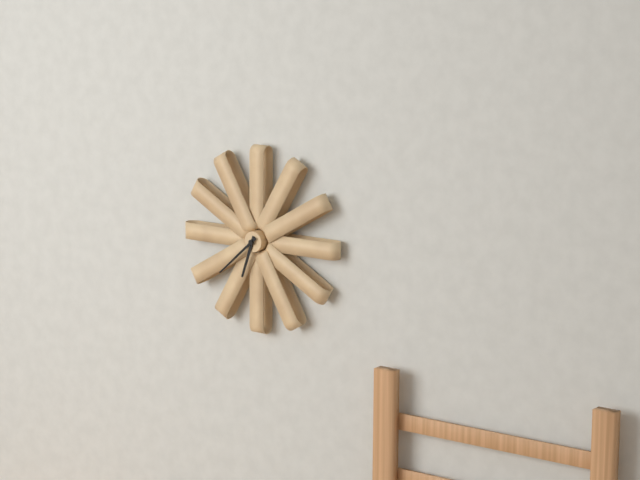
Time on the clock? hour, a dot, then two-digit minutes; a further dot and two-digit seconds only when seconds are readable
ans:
6.38
